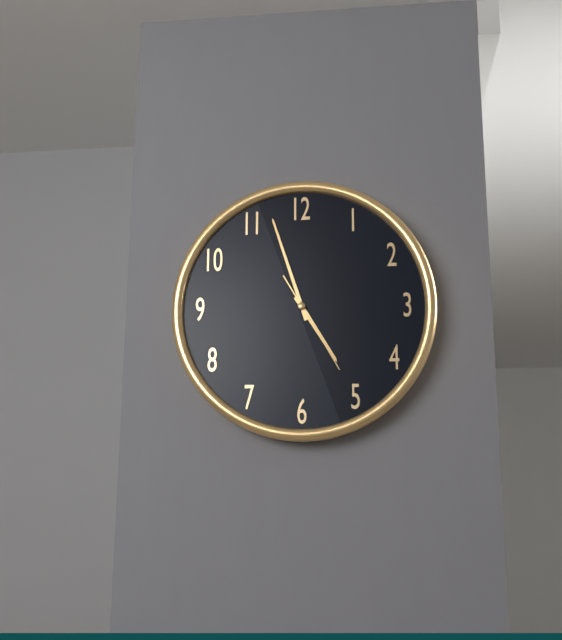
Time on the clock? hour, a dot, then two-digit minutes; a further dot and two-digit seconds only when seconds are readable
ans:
4.57.25
